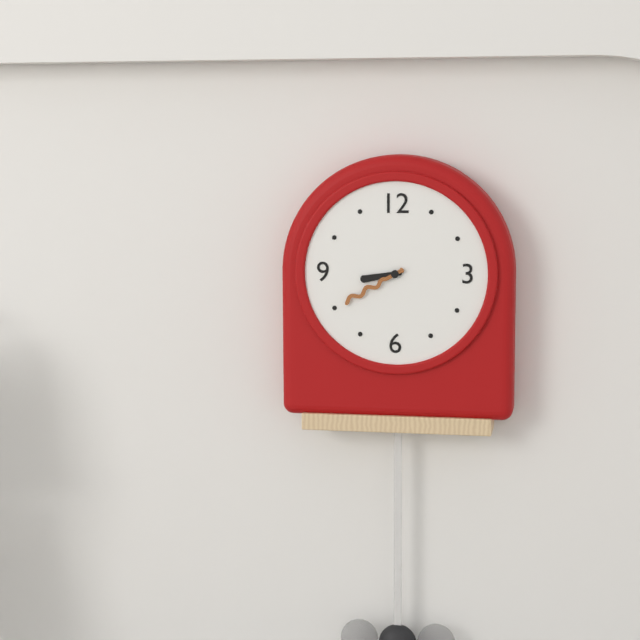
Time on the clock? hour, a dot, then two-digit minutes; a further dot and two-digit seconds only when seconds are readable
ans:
8.40
